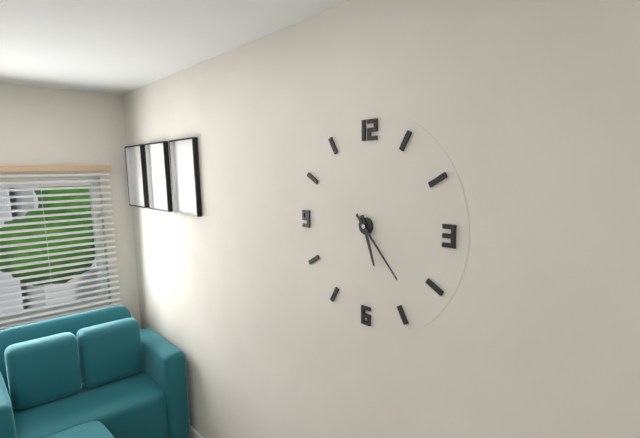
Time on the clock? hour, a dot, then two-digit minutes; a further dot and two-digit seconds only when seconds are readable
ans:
5.23
